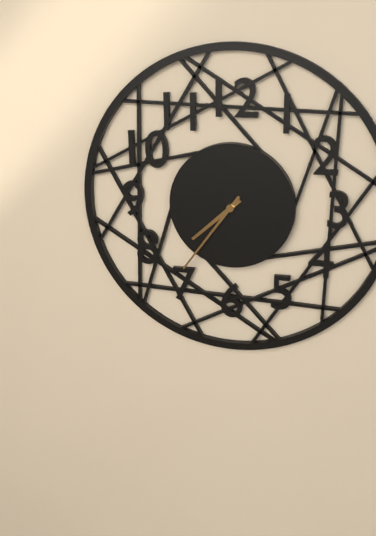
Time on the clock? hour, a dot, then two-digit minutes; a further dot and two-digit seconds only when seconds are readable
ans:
7.36
